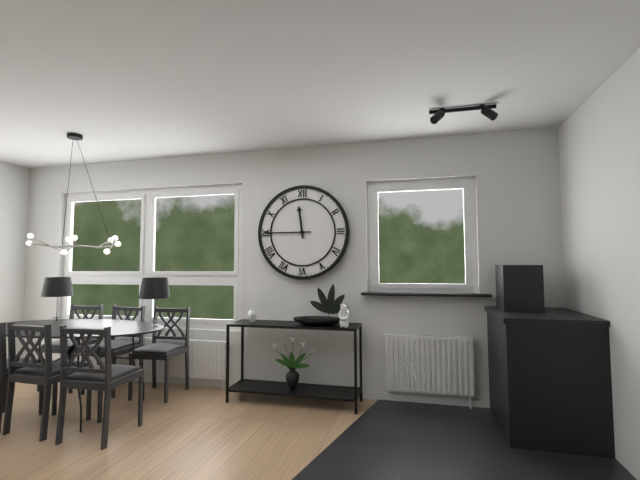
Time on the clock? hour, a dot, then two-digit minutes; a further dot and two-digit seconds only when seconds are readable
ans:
11.45
